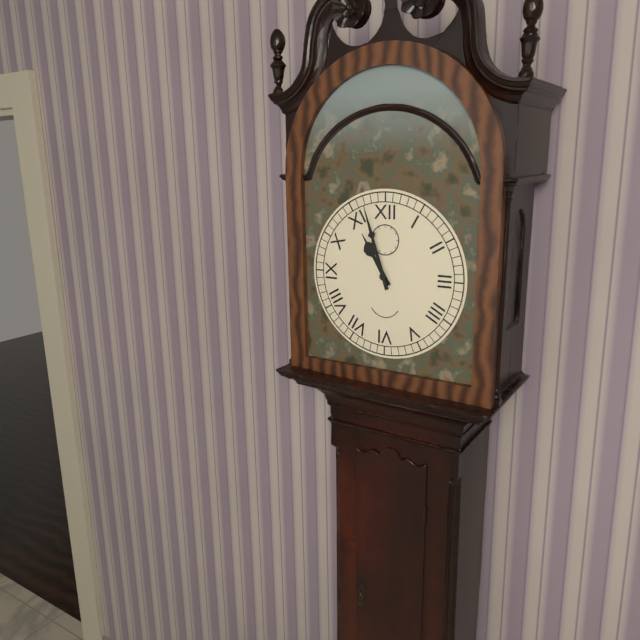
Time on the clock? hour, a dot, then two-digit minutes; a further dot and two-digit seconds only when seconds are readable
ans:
10.57
